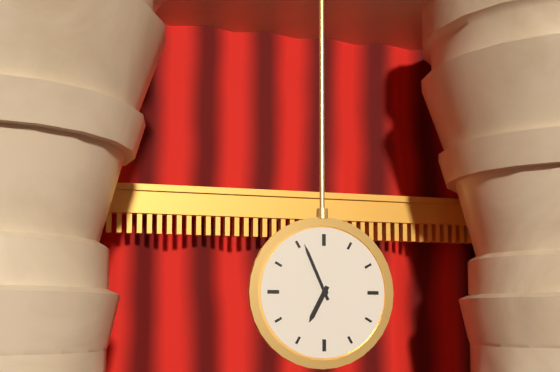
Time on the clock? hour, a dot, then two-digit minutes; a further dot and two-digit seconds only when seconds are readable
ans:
6.56
